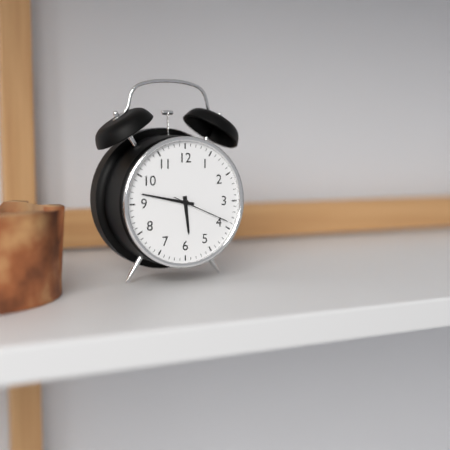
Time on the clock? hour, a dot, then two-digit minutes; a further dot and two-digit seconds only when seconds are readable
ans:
5.47.19
